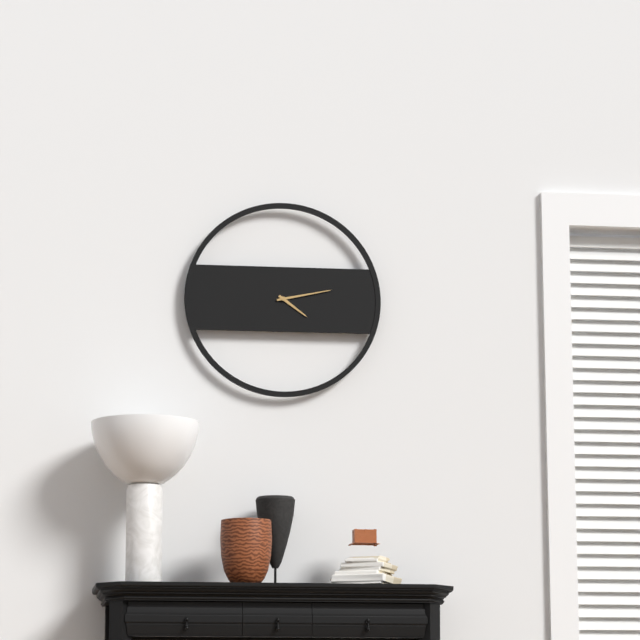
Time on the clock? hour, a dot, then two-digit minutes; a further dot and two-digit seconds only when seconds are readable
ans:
4.13
